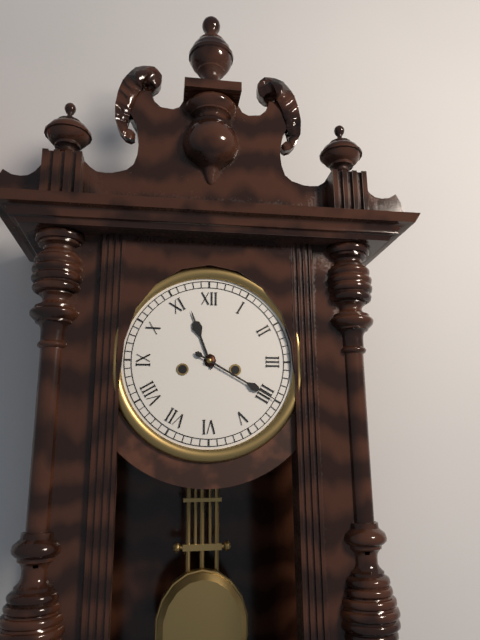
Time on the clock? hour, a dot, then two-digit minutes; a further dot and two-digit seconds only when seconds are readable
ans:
11.20
